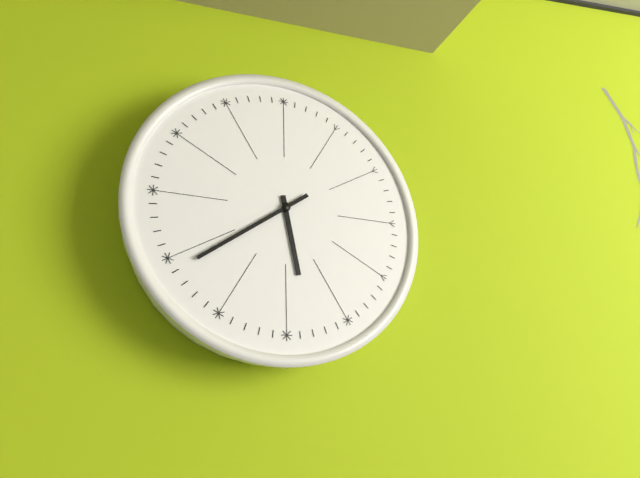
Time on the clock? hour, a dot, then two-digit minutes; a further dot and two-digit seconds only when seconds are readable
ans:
5.39
